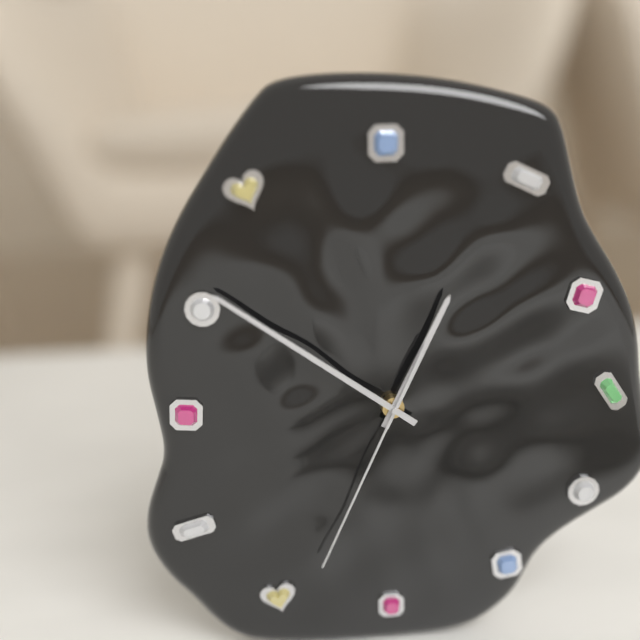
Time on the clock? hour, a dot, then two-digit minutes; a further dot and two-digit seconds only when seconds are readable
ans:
12.51.34
